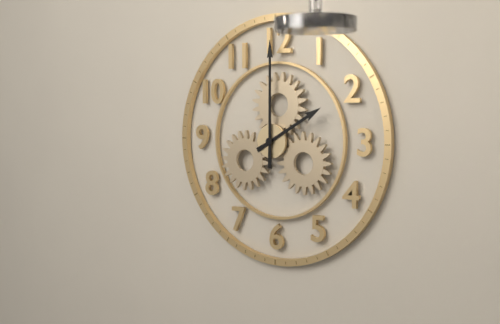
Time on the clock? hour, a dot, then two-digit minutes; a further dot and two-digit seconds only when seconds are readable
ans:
2.00
